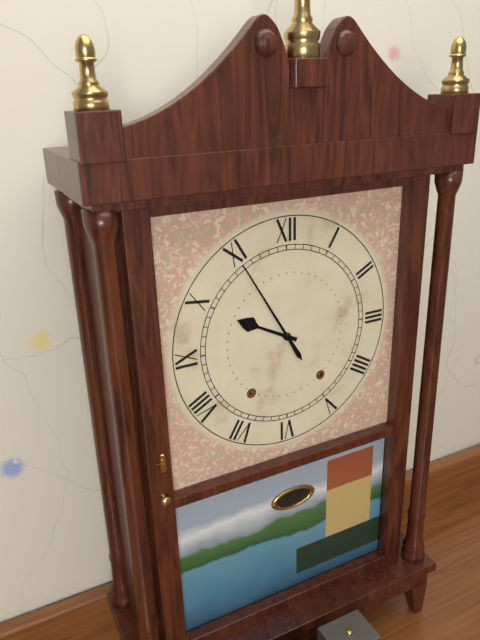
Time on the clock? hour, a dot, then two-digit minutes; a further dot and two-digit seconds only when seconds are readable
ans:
9.55
